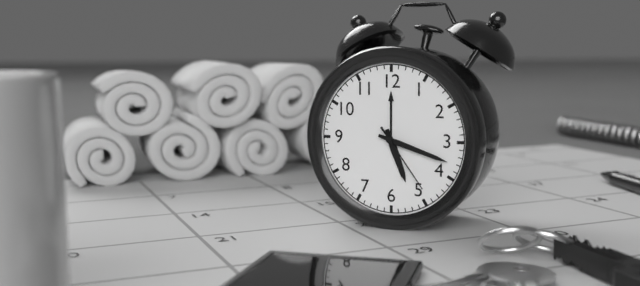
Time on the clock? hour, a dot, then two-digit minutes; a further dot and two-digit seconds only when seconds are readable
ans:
5.18.24
